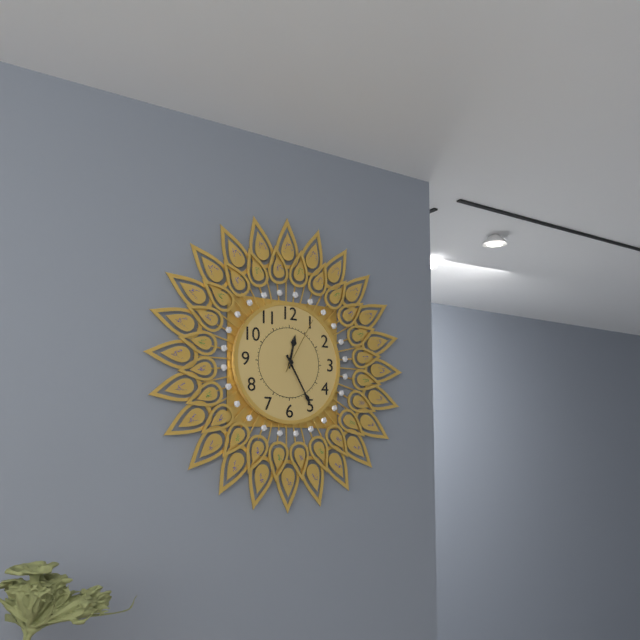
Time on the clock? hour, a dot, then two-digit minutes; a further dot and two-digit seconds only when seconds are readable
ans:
12.25.05
